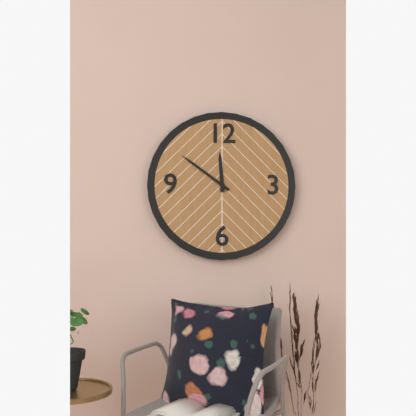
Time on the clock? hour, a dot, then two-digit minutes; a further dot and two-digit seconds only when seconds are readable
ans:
11.51
